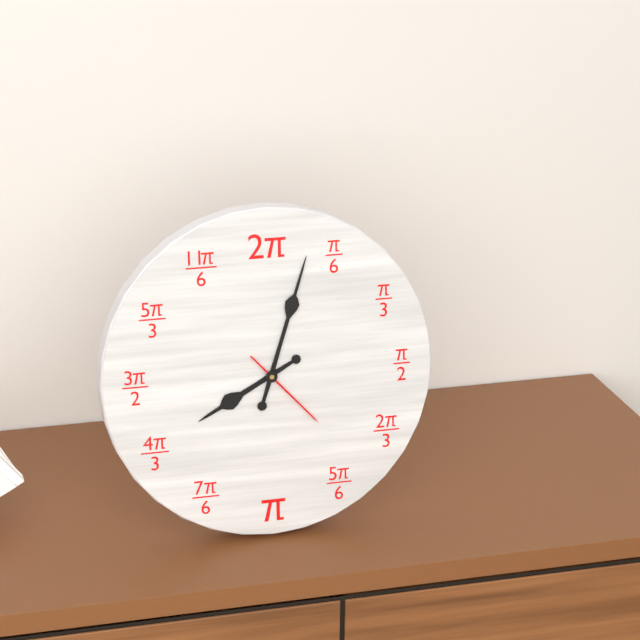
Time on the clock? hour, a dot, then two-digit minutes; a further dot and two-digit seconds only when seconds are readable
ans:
8.03.23
